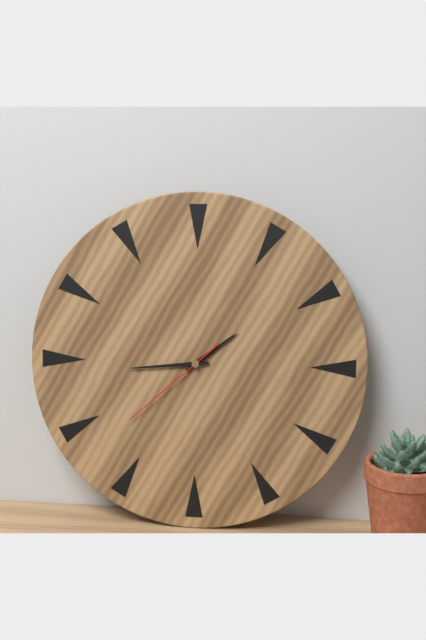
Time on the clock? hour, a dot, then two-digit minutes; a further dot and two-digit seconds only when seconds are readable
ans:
1.44.38
